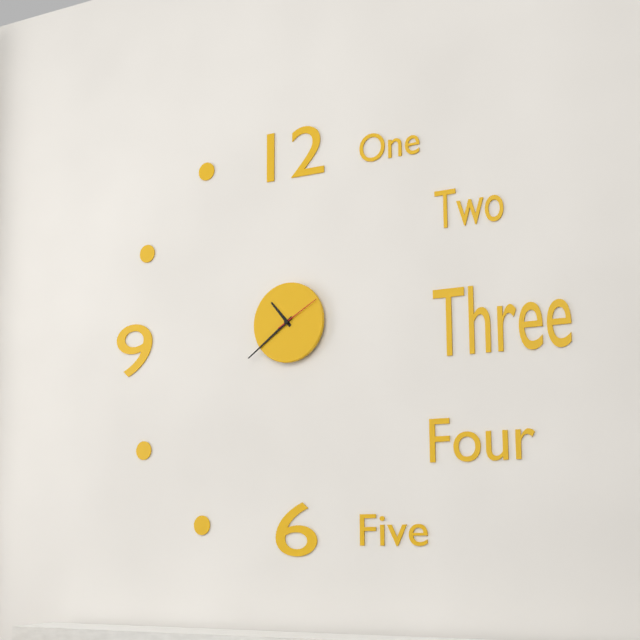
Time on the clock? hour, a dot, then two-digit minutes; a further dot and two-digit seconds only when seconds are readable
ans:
10.39
